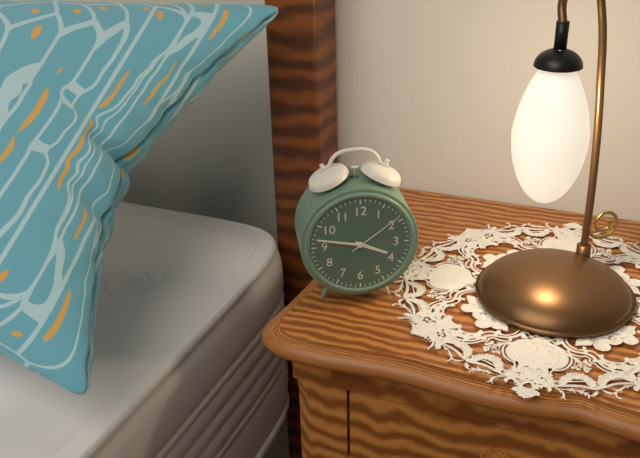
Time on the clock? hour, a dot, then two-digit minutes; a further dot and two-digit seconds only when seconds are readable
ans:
3.47.09
